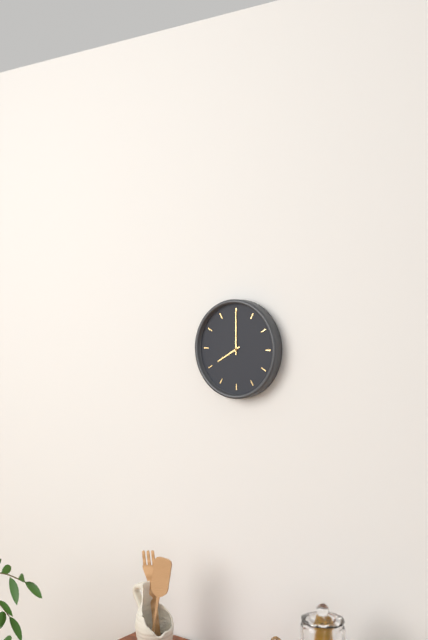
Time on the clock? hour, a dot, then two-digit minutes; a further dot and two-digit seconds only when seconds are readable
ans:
8.00
